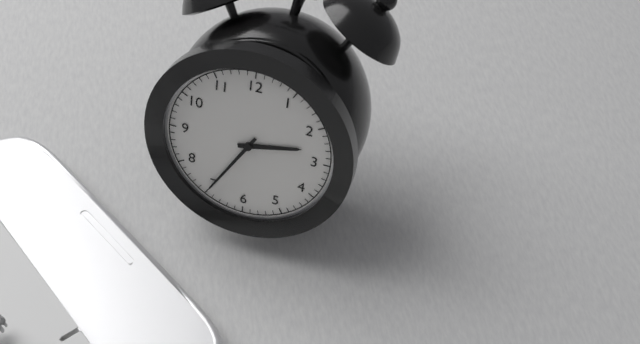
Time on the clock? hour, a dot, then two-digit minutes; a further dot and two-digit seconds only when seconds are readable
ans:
2.35
